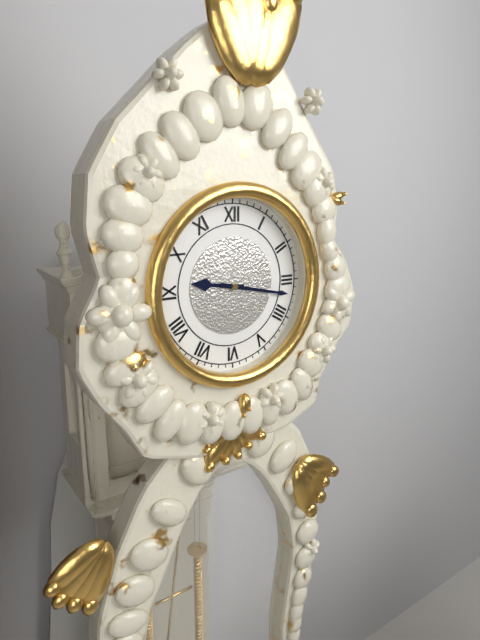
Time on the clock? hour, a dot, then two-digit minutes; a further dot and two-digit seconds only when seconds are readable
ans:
9.17
